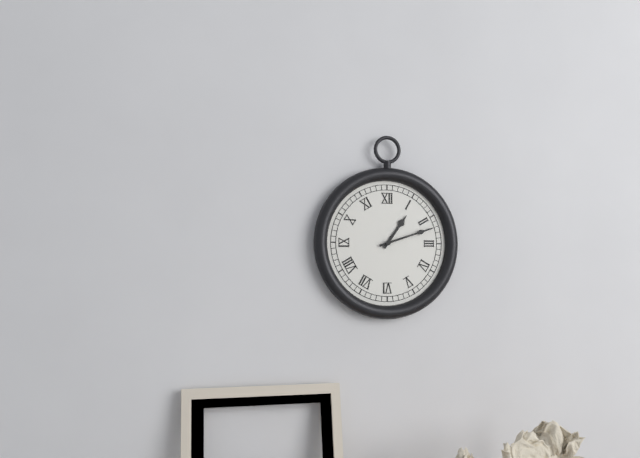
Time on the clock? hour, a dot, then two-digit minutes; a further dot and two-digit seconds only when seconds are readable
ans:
1.12
